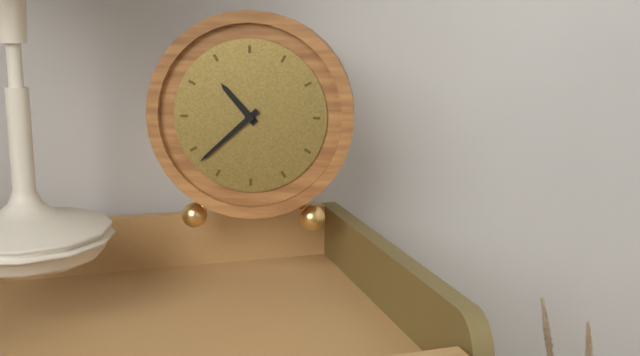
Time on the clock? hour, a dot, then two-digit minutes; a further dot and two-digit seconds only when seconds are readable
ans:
10.38
